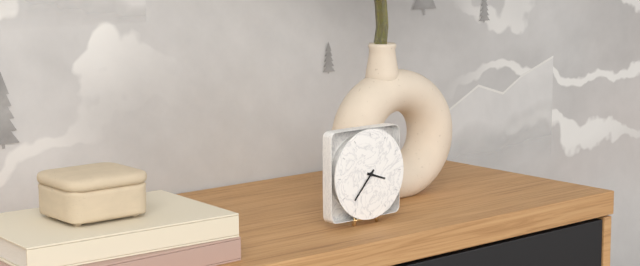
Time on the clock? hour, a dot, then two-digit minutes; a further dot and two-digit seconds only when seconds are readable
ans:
3.37
